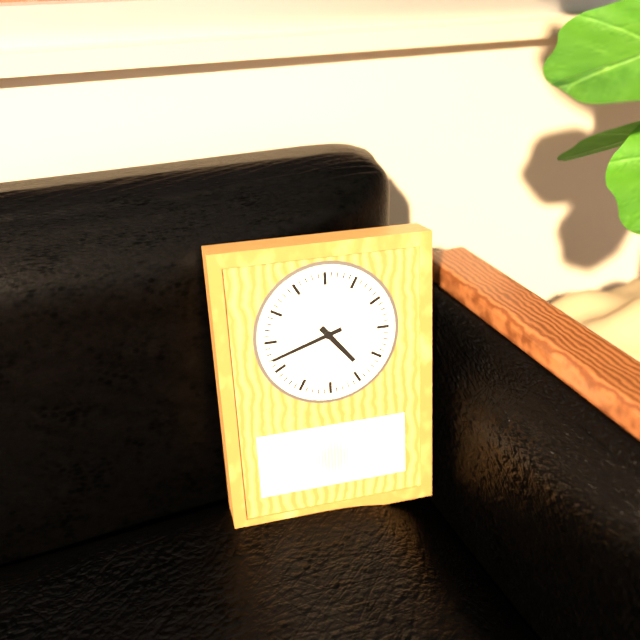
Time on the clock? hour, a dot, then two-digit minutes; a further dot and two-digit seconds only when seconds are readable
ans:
4.42
